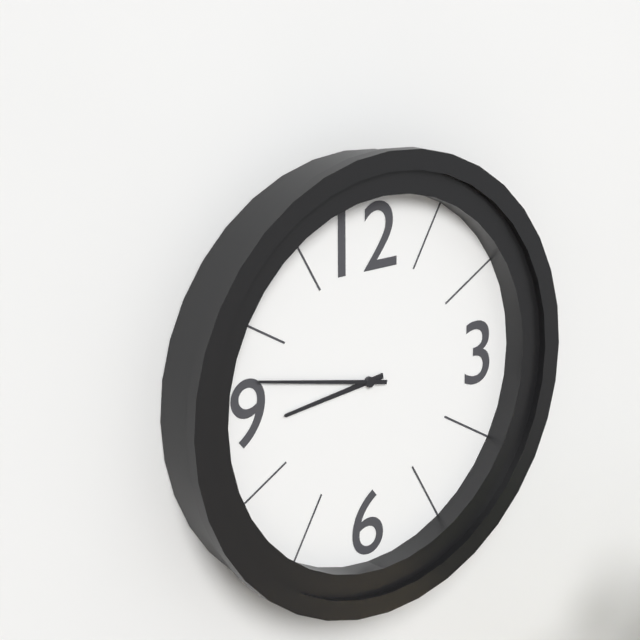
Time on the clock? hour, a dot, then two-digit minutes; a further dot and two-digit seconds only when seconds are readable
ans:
8.47
